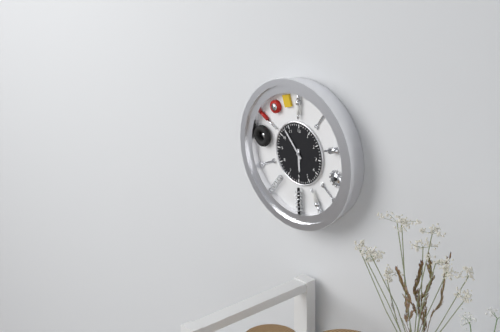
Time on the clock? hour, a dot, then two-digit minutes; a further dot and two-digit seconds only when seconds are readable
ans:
5.53
